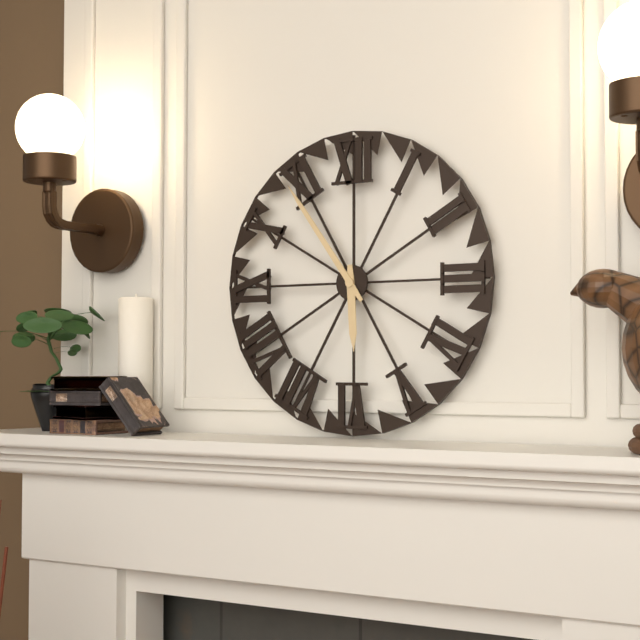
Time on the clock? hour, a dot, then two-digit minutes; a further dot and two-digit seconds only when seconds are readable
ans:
5.54
